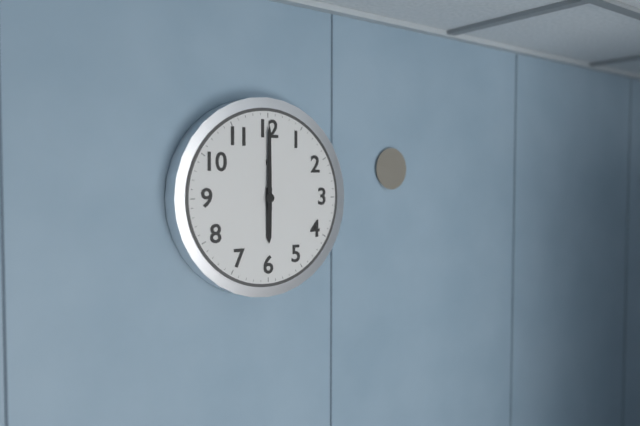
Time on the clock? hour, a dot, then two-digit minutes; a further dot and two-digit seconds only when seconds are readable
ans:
6.00
